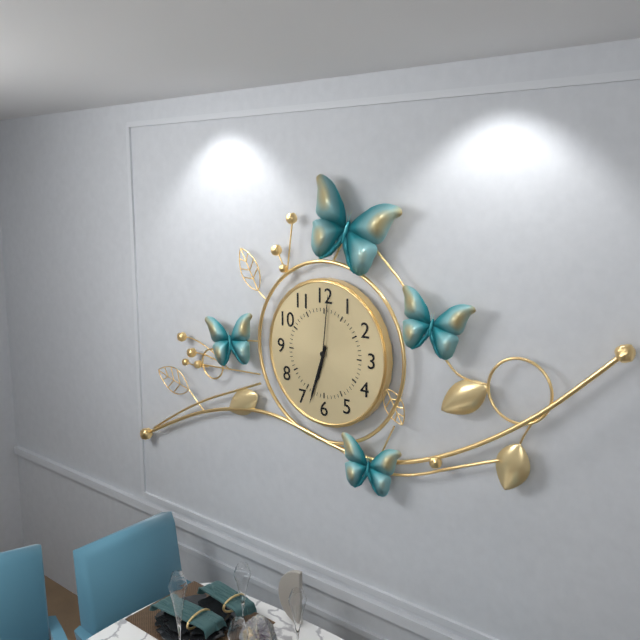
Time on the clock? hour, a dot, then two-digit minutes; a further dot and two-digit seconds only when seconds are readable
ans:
6.33.01
